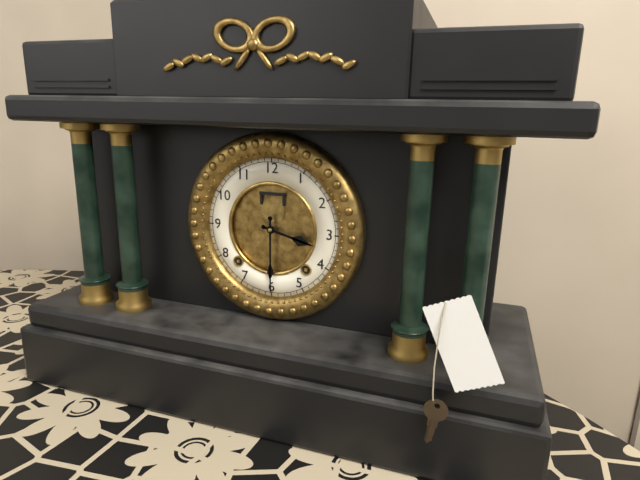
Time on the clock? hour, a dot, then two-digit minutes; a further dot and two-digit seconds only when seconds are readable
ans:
3.30
